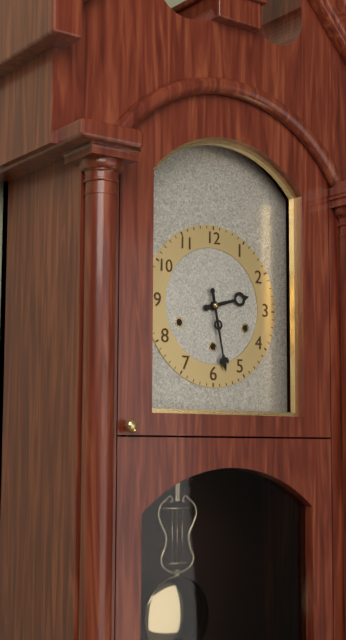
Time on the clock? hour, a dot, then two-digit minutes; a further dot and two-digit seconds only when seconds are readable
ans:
2.28
